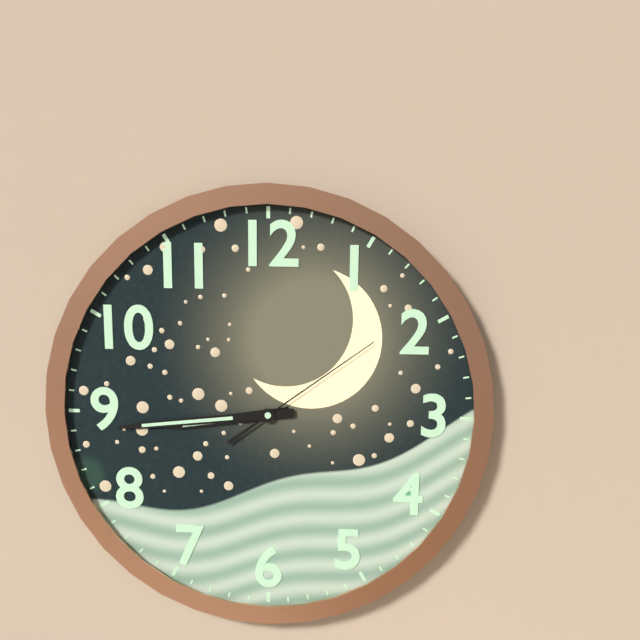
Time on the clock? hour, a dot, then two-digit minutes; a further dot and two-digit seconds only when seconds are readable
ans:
8.44.09
